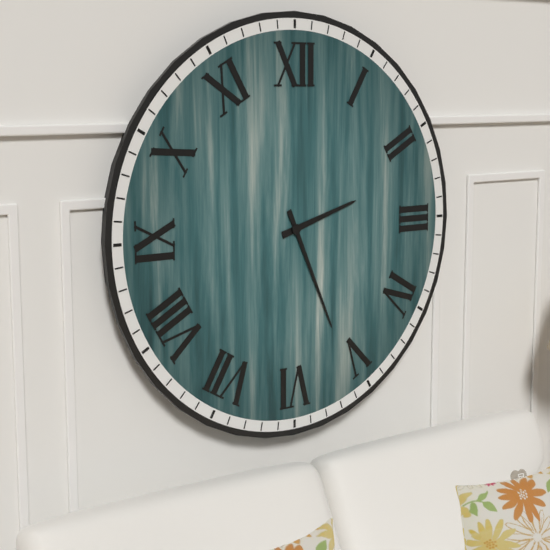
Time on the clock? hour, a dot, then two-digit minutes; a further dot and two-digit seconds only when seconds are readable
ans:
2.26
